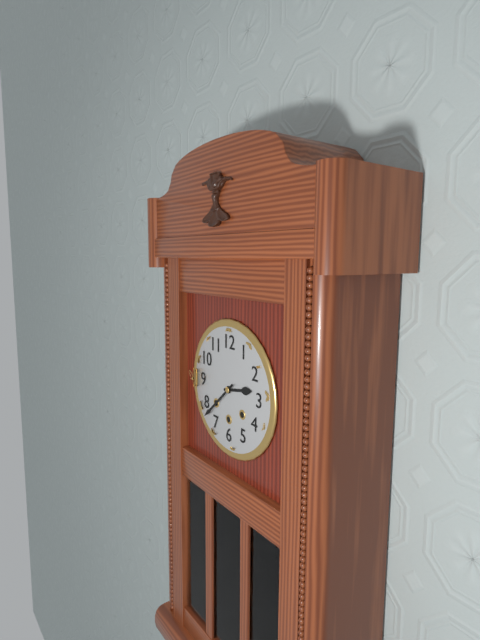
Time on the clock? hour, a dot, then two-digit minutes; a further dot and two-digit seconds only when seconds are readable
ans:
2.38
